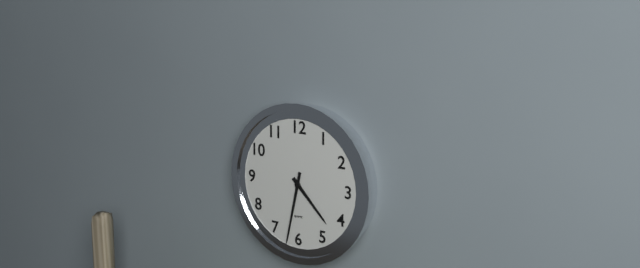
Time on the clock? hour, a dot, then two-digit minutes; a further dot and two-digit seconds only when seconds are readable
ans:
4.32
